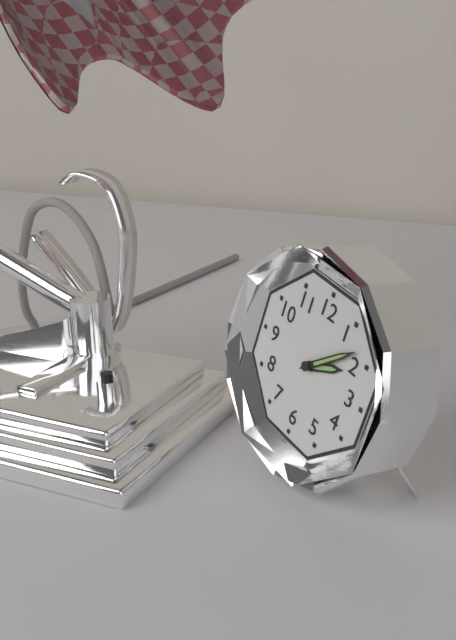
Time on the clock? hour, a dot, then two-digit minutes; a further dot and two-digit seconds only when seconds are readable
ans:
2.08
